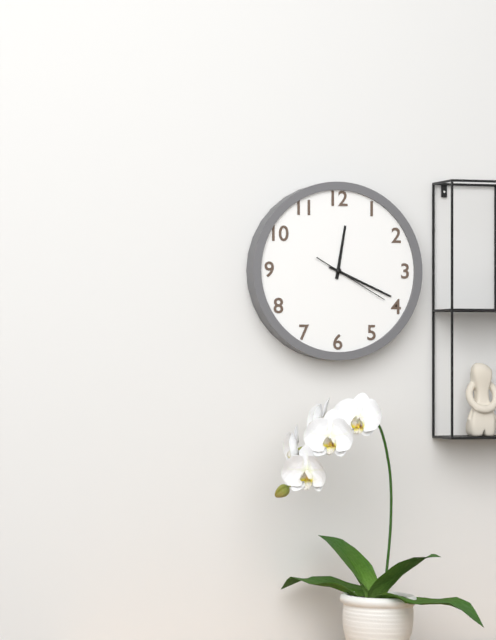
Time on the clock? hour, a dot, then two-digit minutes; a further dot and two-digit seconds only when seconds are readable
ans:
12.19.20
